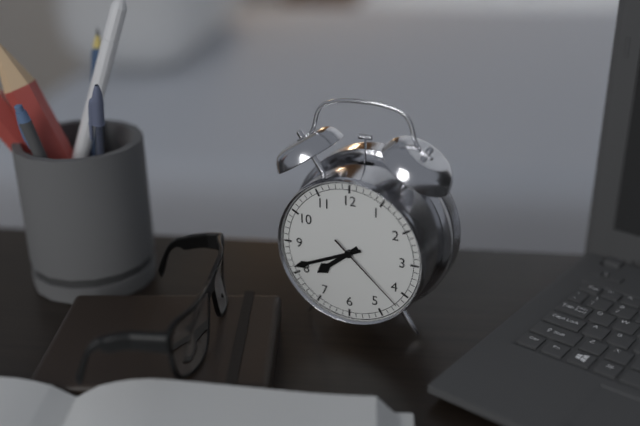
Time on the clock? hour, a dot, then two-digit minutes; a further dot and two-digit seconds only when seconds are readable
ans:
7.41.22
